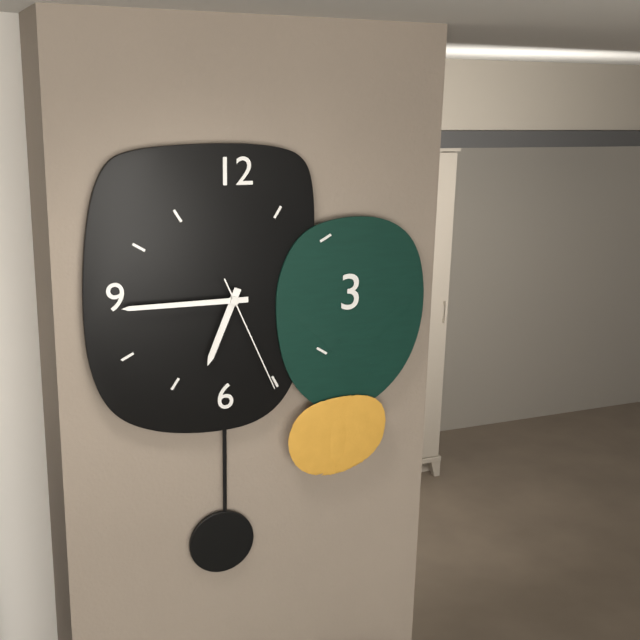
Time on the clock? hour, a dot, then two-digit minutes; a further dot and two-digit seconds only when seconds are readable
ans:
6.45.26
